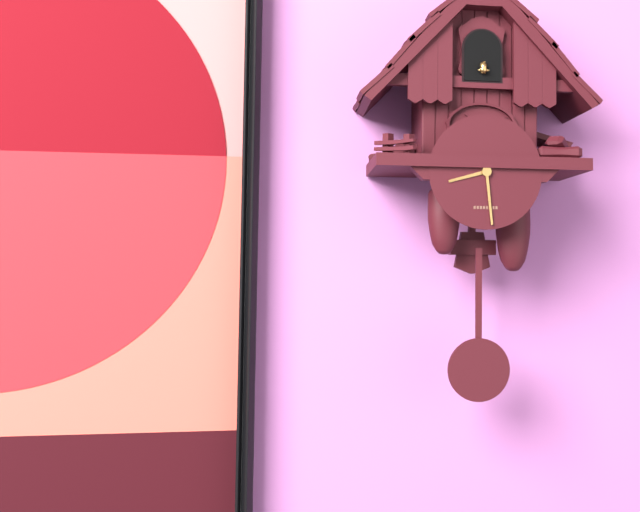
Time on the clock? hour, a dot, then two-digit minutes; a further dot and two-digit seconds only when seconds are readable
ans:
8.29
